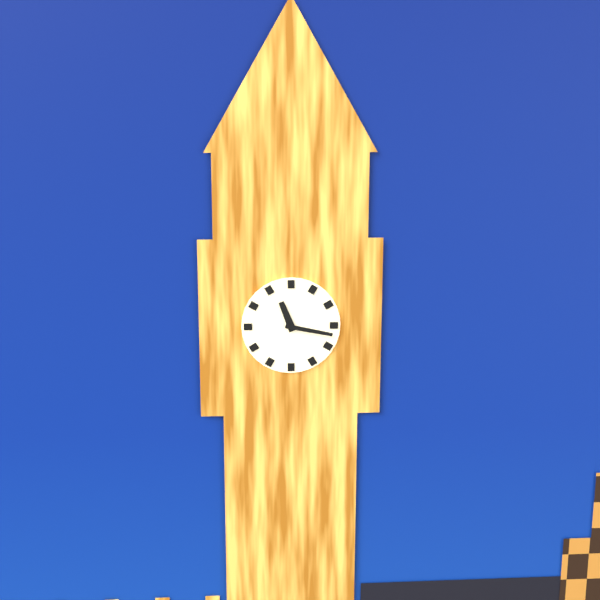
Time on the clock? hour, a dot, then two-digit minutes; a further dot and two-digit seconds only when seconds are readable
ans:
11.17
